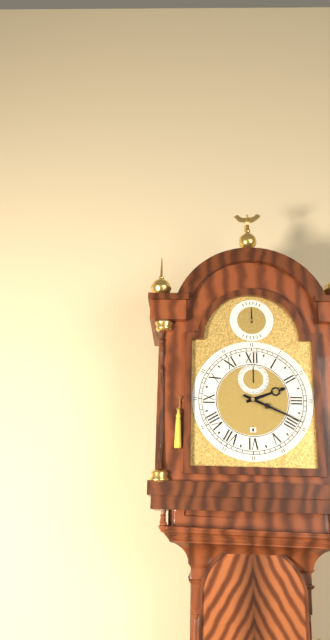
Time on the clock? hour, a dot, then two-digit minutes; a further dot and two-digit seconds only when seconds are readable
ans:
2.19
